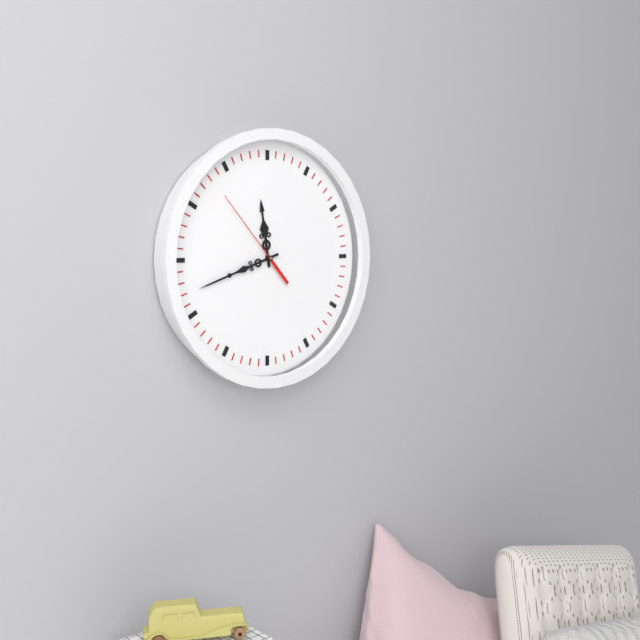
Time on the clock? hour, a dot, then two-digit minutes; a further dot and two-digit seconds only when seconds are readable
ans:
11.42.53
